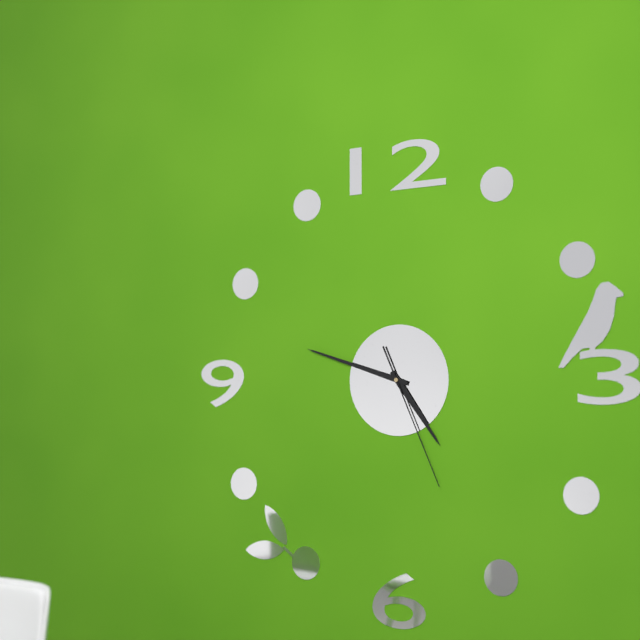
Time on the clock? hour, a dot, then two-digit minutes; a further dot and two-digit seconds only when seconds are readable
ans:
4.48.26
